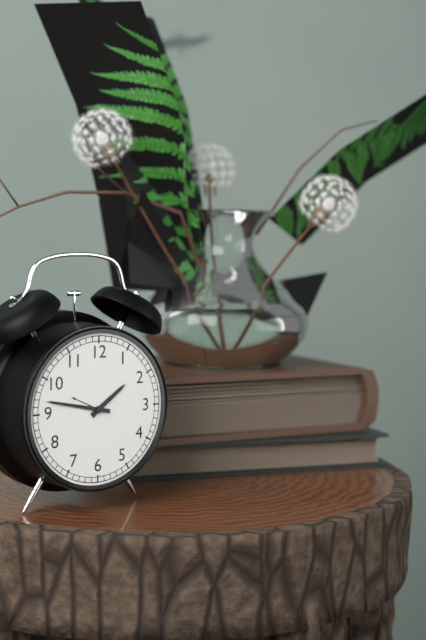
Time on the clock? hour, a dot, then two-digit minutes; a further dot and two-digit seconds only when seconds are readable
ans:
1.47
